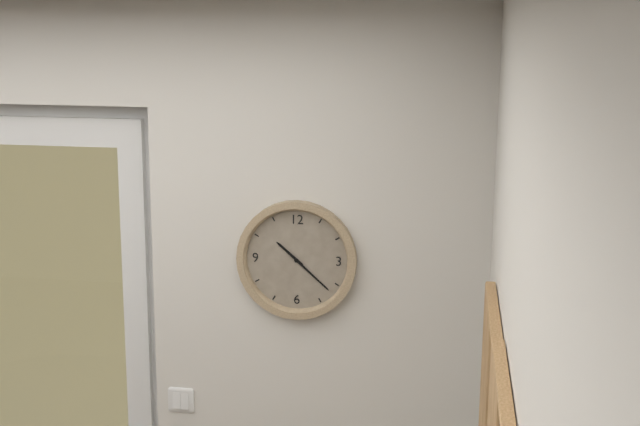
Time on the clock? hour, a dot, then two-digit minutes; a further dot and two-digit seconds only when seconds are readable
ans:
10.22
